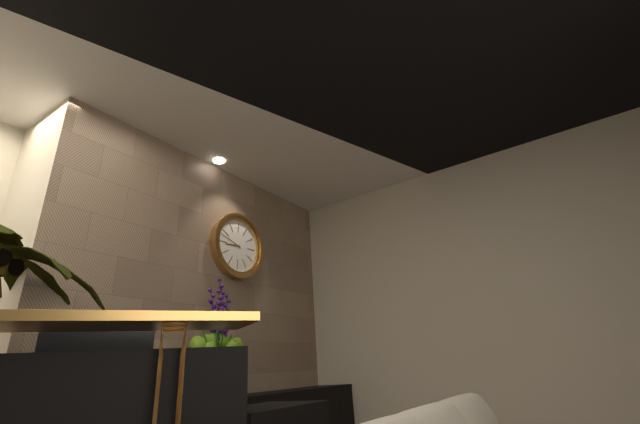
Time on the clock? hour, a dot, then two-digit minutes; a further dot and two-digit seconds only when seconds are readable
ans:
8.48
